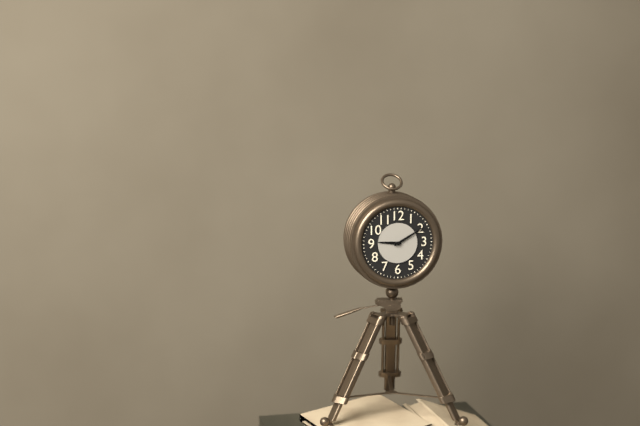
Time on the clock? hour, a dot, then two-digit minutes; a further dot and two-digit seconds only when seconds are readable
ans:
9.10
